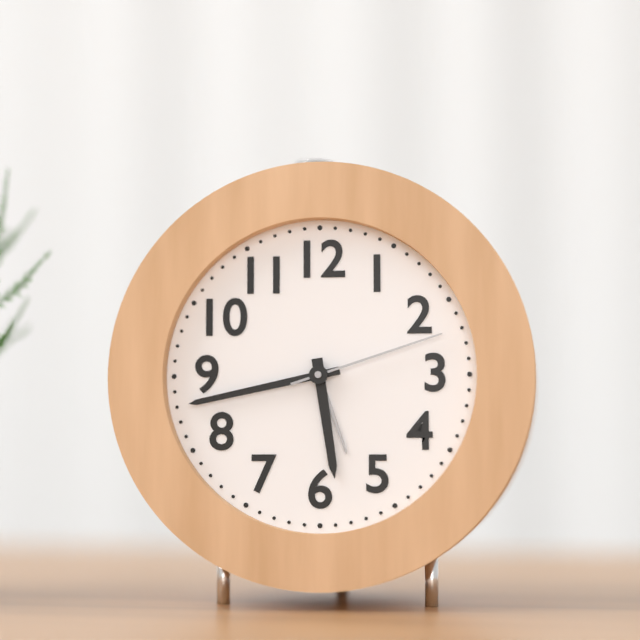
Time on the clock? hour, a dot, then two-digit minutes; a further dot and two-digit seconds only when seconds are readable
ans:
5.43.12
